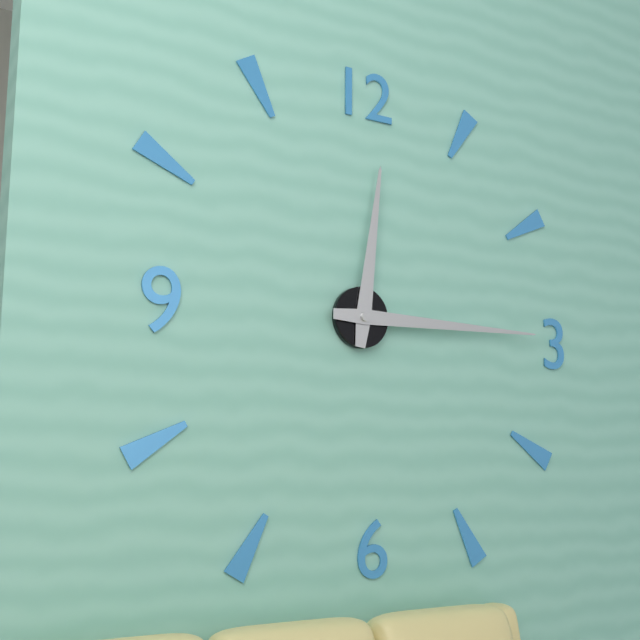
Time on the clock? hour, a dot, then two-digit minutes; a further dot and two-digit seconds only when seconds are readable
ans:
12.15
